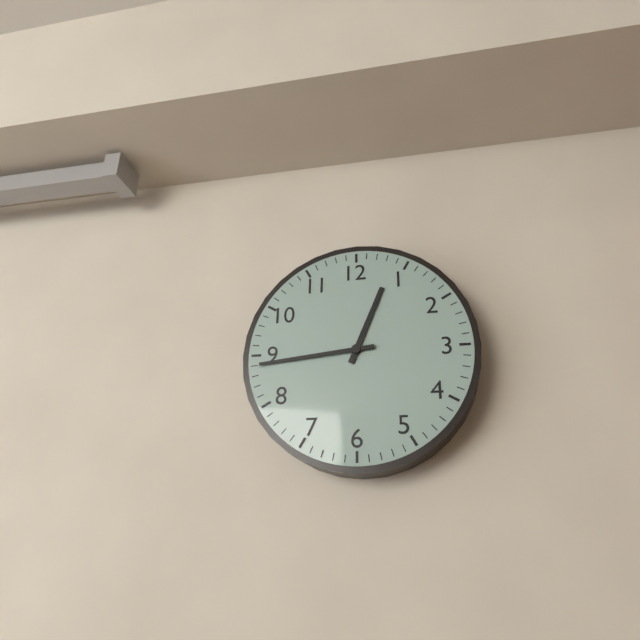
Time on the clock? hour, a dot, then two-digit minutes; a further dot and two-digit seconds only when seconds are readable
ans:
12.44
